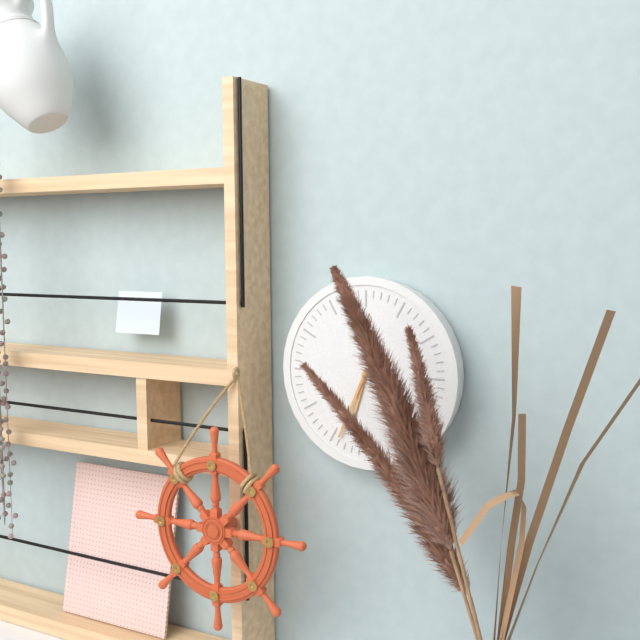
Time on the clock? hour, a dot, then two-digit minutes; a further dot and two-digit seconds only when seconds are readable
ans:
6.34
